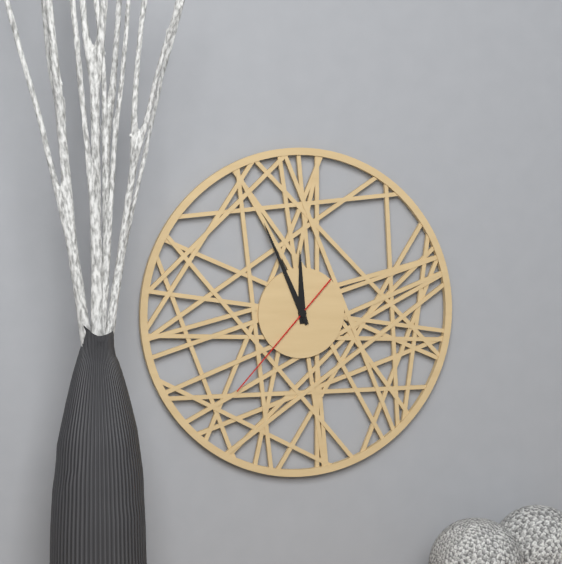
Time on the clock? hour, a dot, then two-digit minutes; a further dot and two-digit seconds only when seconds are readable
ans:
11.56.37
